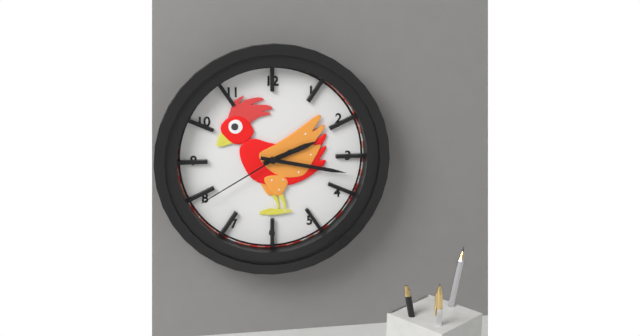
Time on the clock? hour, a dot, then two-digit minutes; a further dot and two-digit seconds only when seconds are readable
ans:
2.17.40
